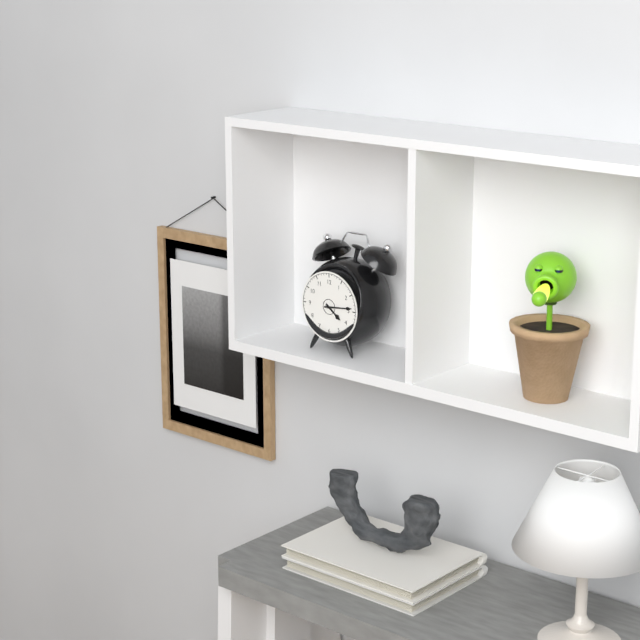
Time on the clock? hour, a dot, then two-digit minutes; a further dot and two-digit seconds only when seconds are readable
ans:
4.14
